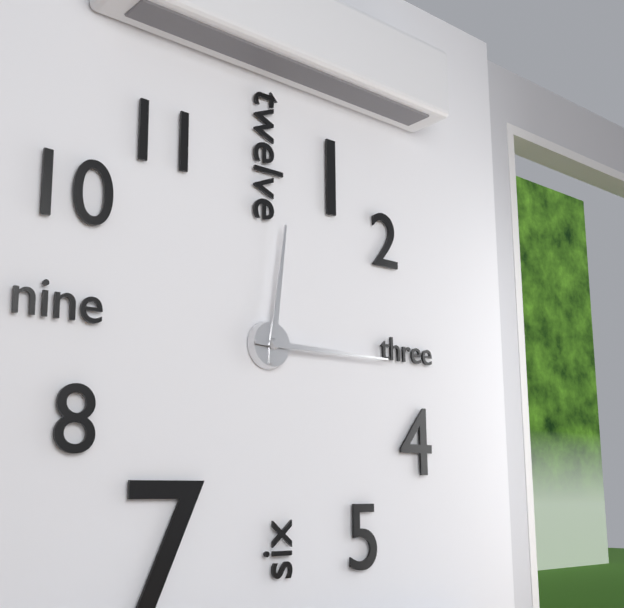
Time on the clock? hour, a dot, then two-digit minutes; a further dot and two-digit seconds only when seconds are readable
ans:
12.15
